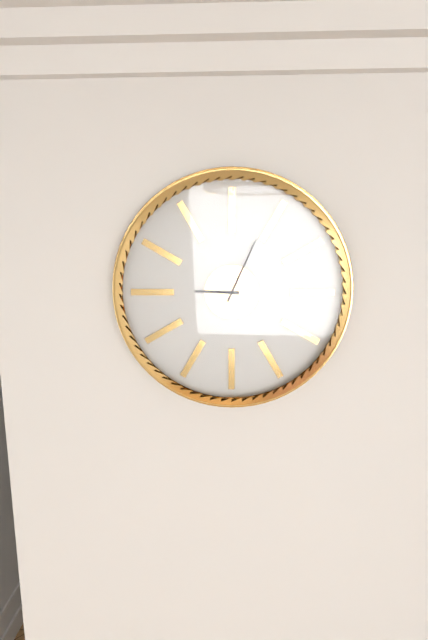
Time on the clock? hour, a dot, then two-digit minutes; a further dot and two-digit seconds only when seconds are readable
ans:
9.04
